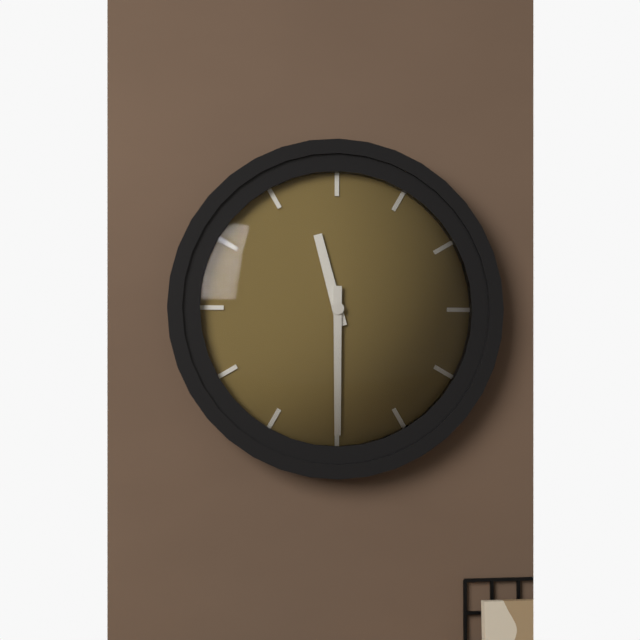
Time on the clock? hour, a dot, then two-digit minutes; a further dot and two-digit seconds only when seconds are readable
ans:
11.30
